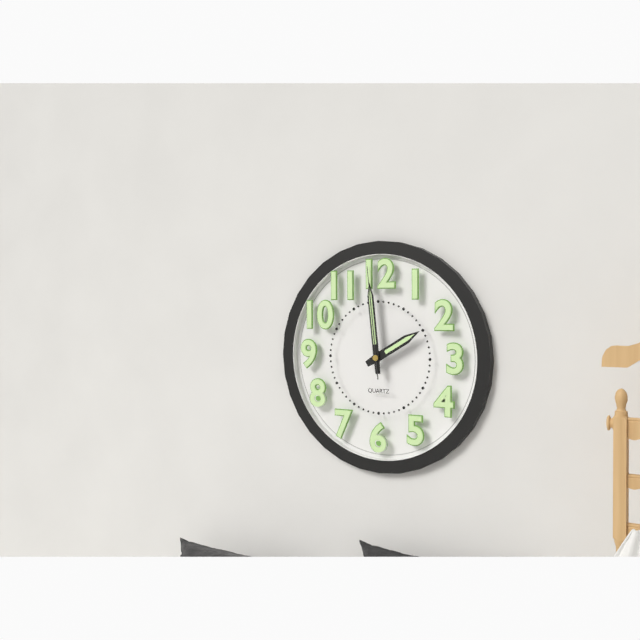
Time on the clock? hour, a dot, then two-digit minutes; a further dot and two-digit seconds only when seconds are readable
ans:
1.59.59
